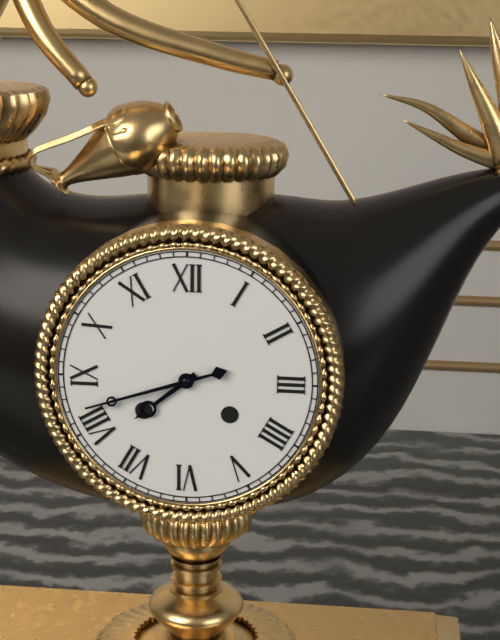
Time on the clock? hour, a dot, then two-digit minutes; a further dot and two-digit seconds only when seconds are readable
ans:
7.42
